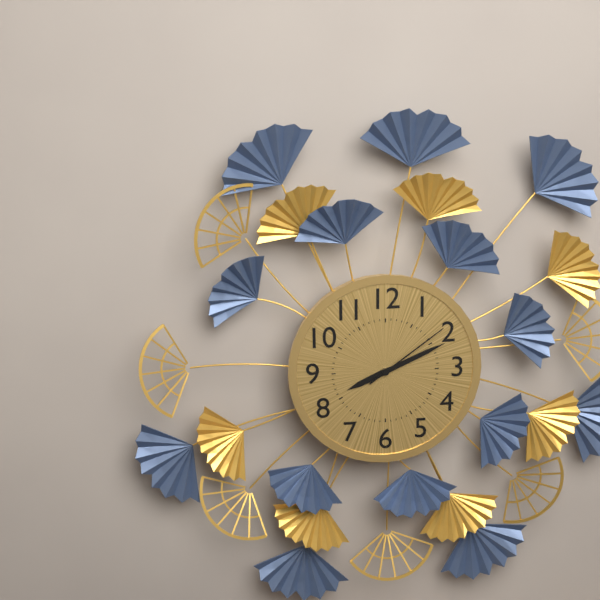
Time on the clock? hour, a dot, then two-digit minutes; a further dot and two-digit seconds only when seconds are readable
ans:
8.11.09
